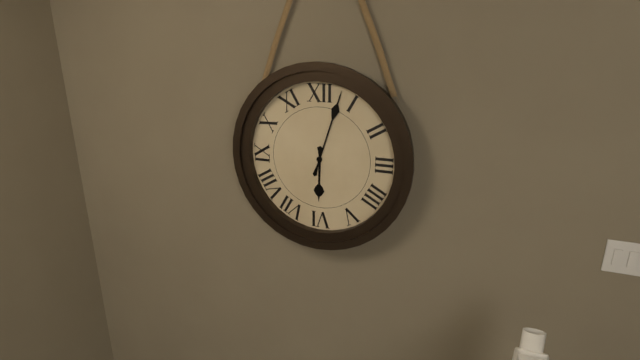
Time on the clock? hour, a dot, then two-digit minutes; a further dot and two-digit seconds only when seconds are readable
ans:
6.03
